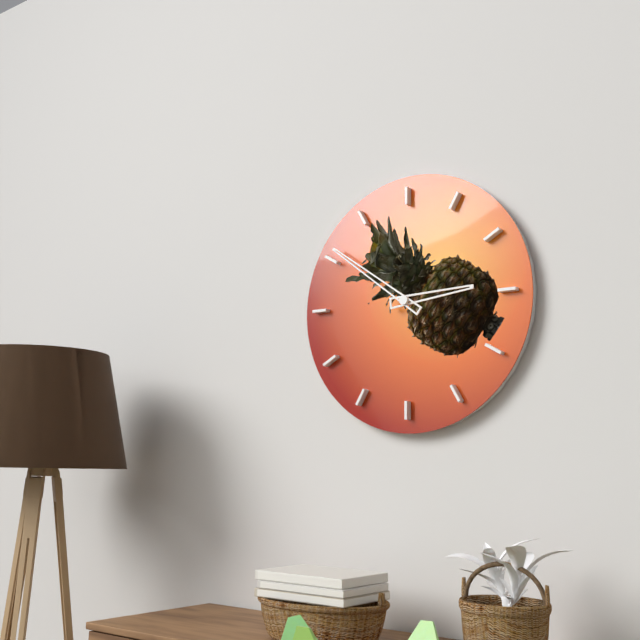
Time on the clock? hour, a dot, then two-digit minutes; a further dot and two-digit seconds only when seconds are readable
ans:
2.51
